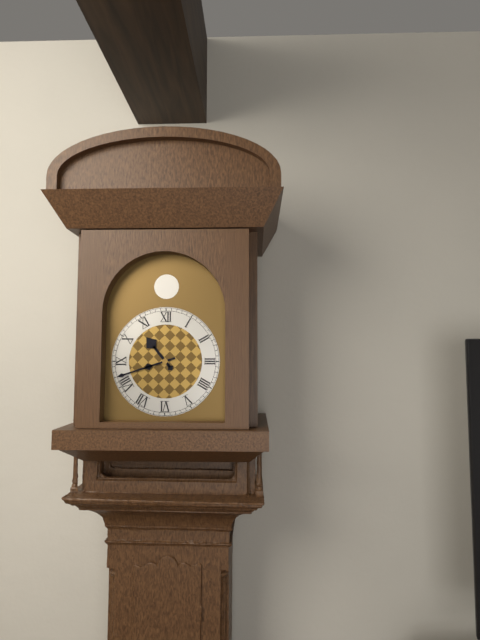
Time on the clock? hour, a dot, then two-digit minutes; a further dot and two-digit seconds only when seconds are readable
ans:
10.42
